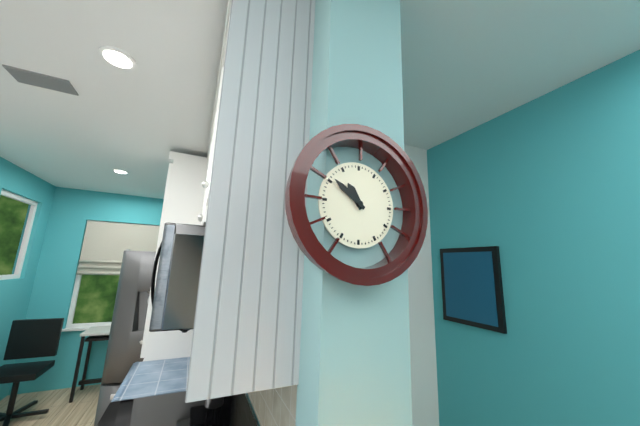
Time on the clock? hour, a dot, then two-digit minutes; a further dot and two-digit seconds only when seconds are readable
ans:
10.51
